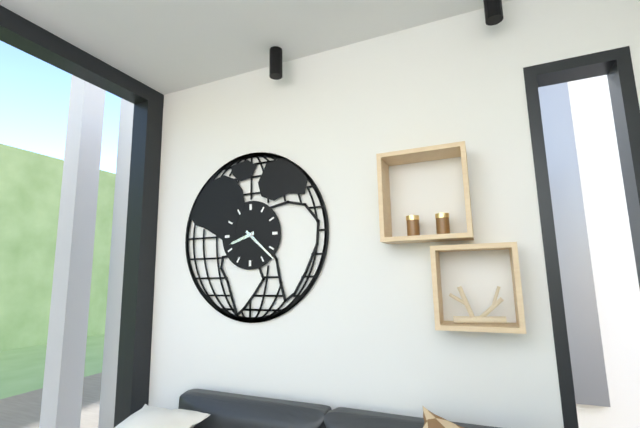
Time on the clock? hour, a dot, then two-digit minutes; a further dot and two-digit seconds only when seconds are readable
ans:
8.22
